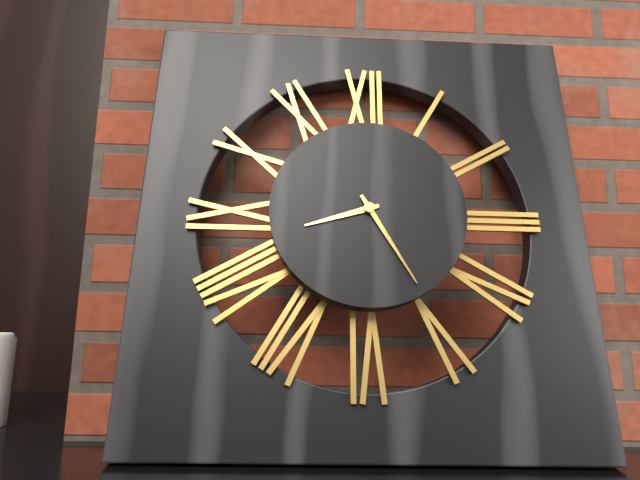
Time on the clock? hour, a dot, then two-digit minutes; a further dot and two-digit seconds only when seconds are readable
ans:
8.25
